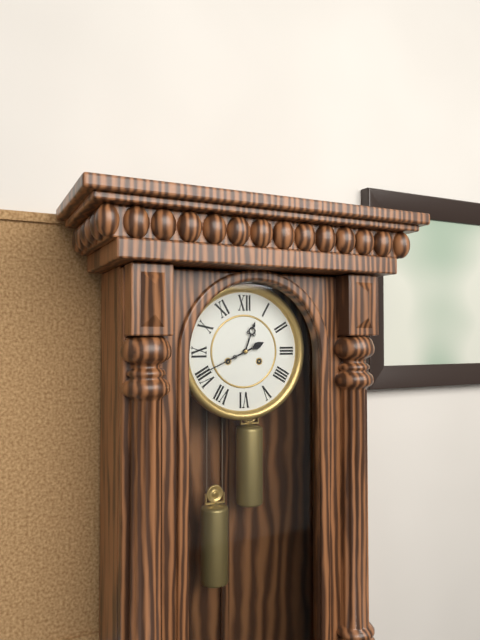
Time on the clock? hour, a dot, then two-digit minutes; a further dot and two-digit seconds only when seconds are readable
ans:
12.41
